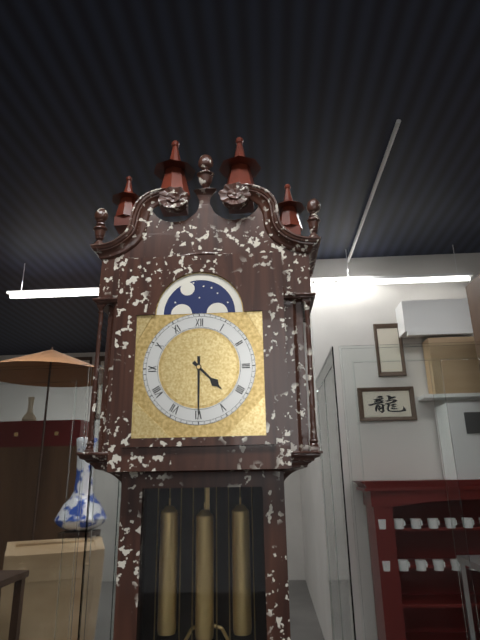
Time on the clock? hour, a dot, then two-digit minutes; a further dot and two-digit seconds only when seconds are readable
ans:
4.30
